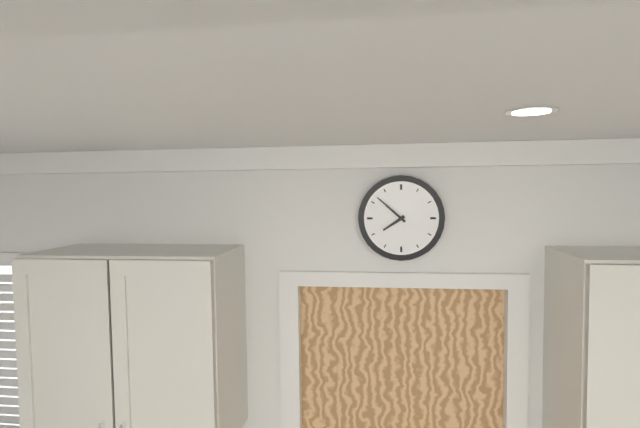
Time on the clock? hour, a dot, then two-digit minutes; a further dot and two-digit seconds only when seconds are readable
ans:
7.52
